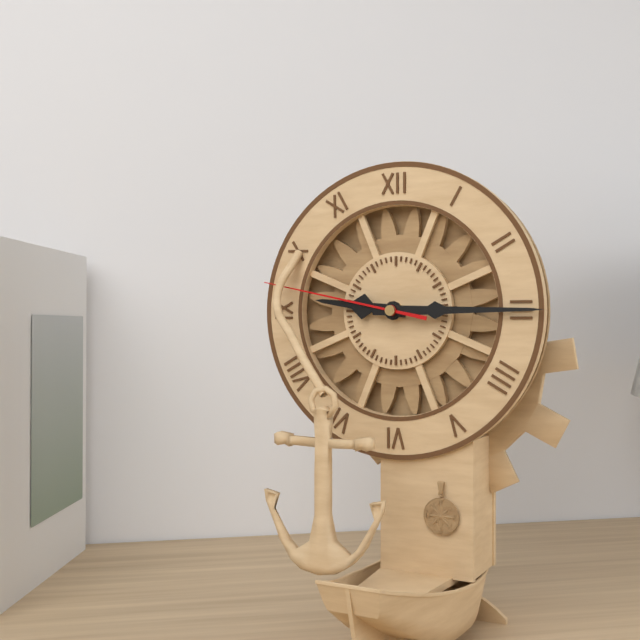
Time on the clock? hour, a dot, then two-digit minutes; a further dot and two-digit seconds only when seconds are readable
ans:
9.15.47
